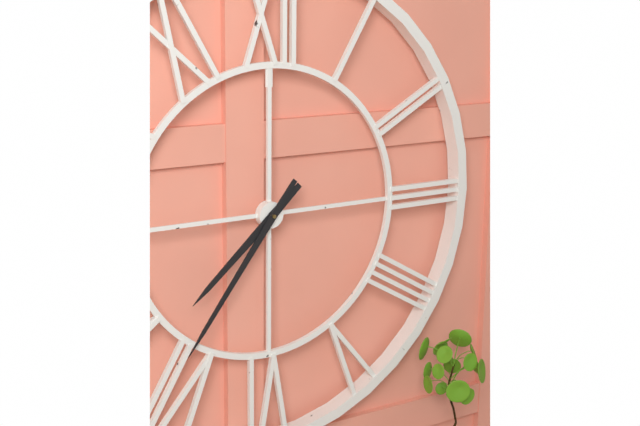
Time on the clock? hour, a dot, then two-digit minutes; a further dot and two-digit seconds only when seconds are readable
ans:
7.36
